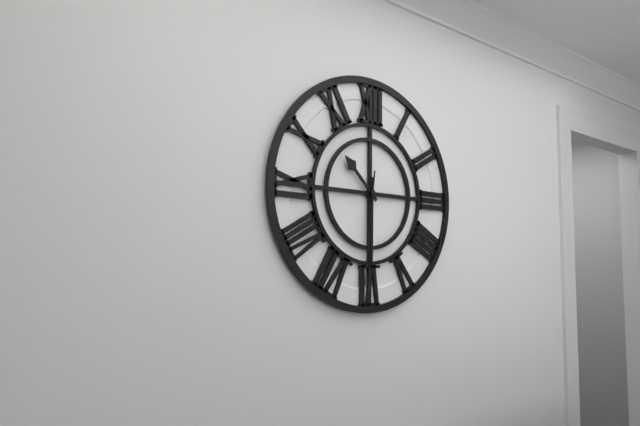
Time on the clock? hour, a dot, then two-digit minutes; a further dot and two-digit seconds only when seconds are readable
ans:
10.30.31
